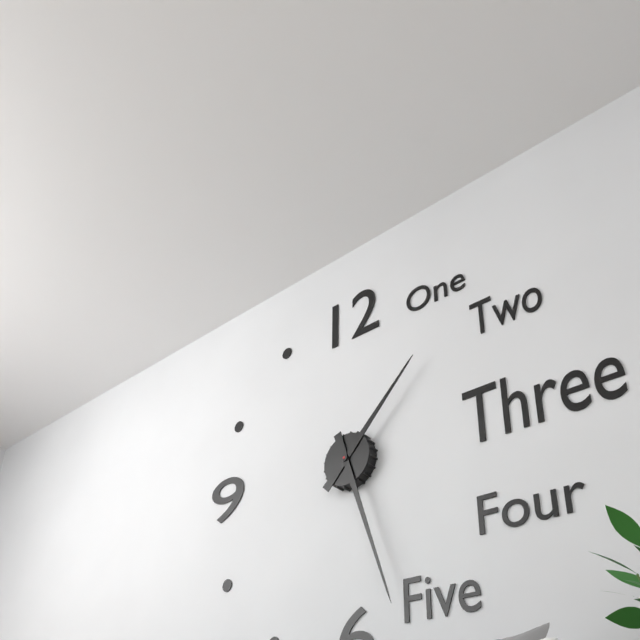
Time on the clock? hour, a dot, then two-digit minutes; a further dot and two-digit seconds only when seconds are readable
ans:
1.27
